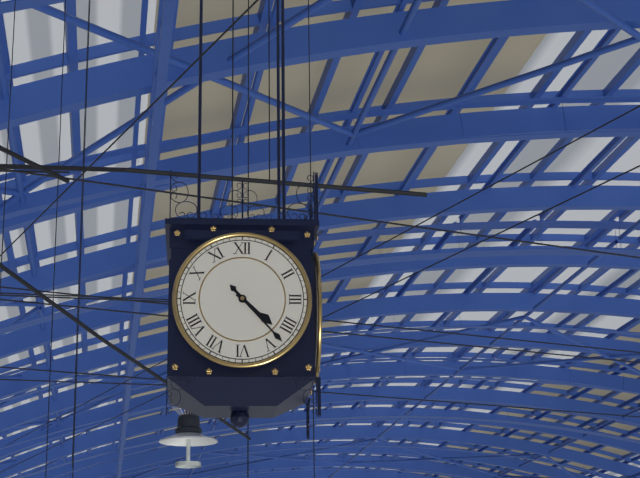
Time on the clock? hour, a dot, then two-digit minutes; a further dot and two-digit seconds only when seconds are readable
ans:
4.23
